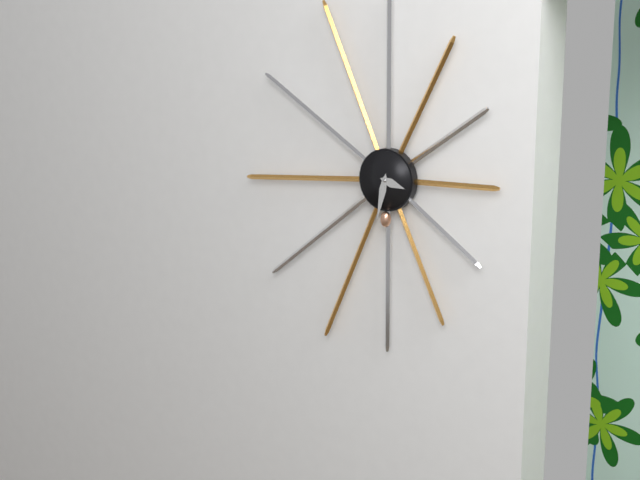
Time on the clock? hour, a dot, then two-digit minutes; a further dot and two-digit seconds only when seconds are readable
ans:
3.32
